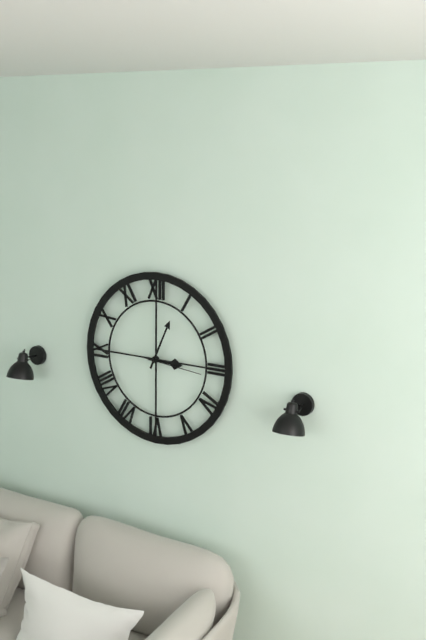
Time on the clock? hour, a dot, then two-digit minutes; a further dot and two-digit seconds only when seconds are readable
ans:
3.04.16
